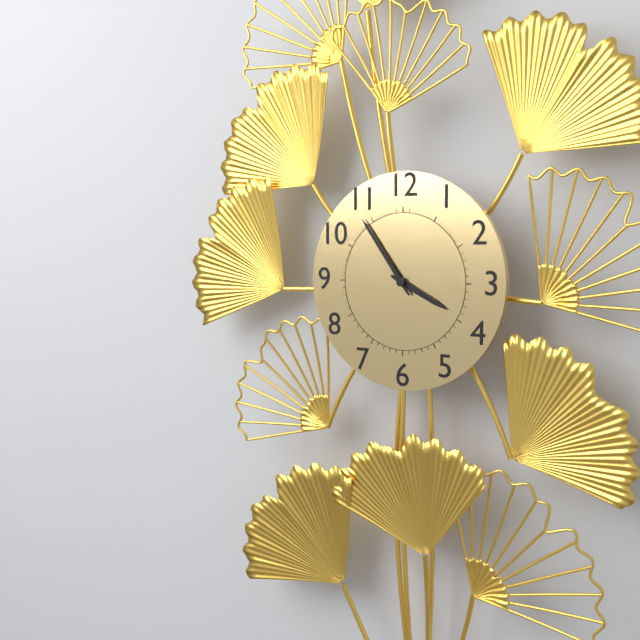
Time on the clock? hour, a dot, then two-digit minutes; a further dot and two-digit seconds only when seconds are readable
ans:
3.54
